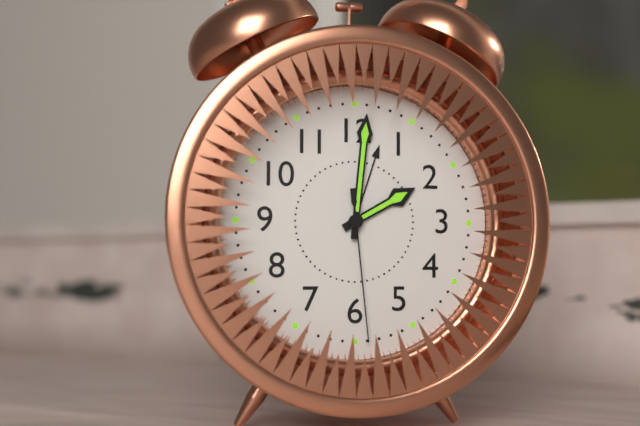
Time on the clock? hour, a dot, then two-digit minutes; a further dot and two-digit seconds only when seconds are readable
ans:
2.01.29
